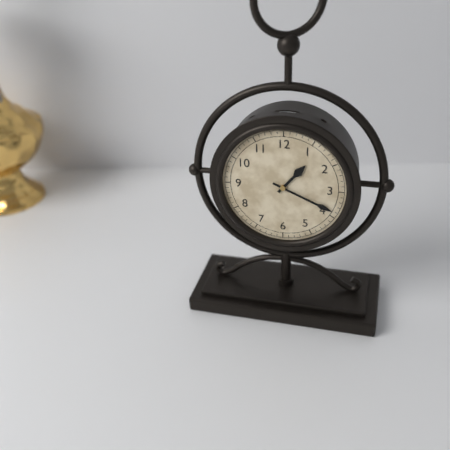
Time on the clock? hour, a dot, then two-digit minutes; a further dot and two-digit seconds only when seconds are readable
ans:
1.19
